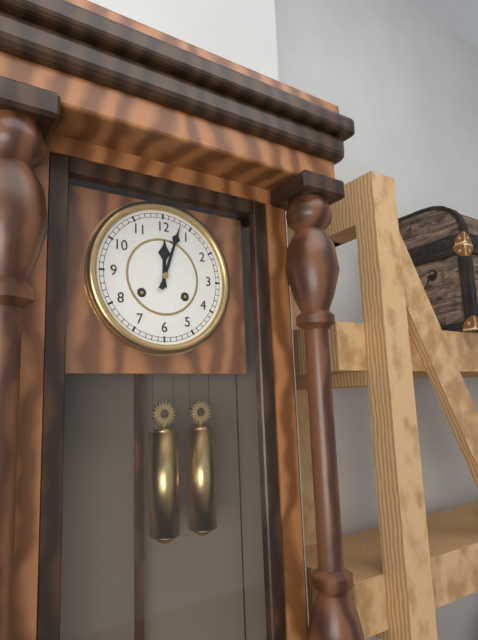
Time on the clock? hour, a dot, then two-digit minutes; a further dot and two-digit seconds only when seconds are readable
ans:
12.03
